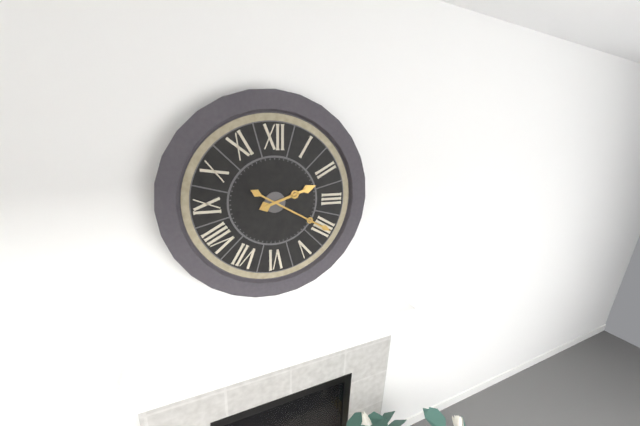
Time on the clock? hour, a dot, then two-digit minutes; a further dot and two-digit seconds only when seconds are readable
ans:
2.20
